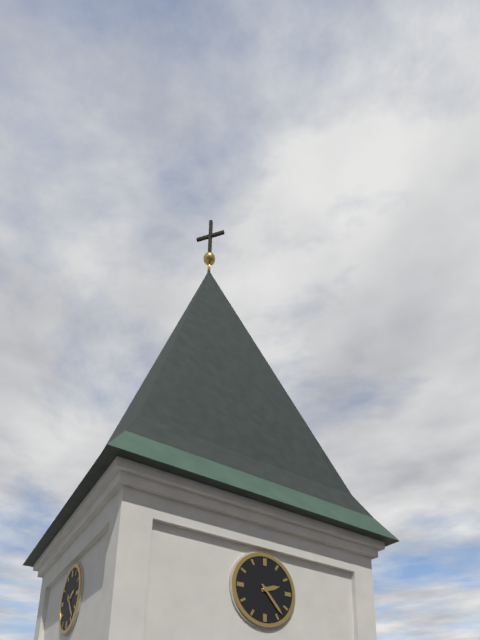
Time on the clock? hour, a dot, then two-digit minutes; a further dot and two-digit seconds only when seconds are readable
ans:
2.23
